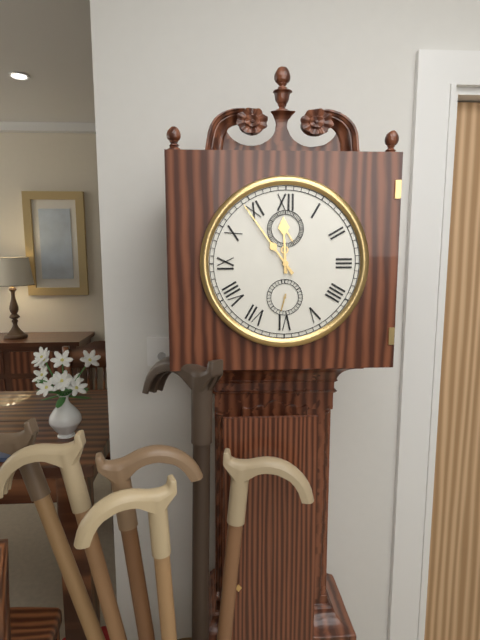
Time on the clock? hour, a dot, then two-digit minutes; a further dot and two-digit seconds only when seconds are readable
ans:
11.54
